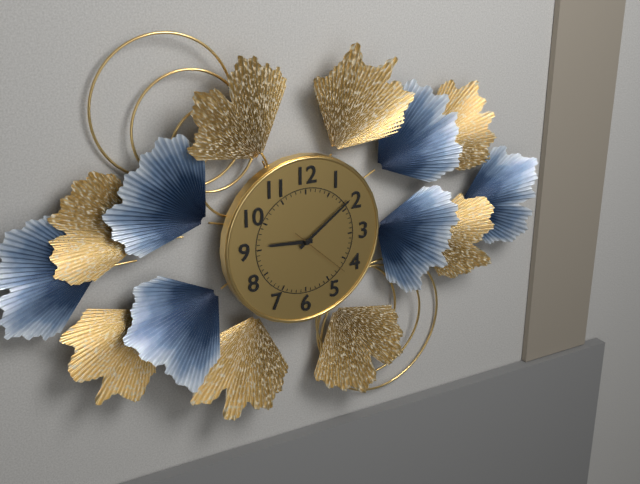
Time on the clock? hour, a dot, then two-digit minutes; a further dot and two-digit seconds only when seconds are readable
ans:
9.09.22
